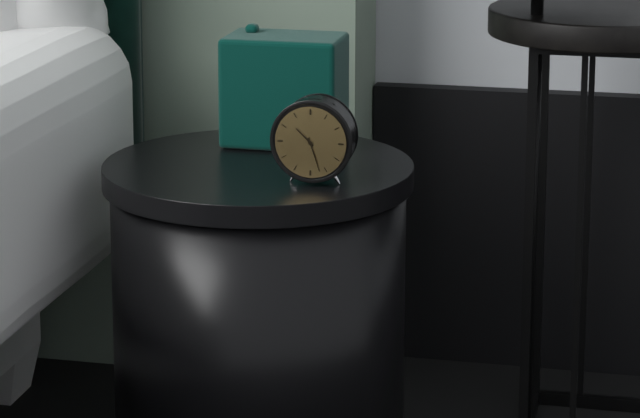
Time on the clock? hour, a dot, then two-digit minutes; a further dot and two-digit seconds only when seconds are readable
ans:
10.27
